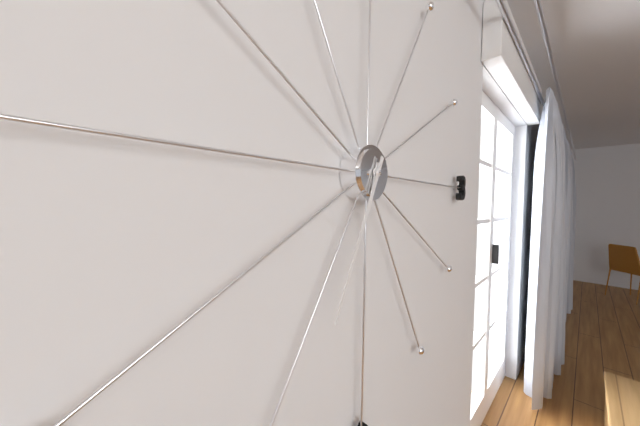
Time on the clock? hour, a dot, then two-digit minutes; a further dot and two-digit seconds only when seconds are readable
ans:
6.34
